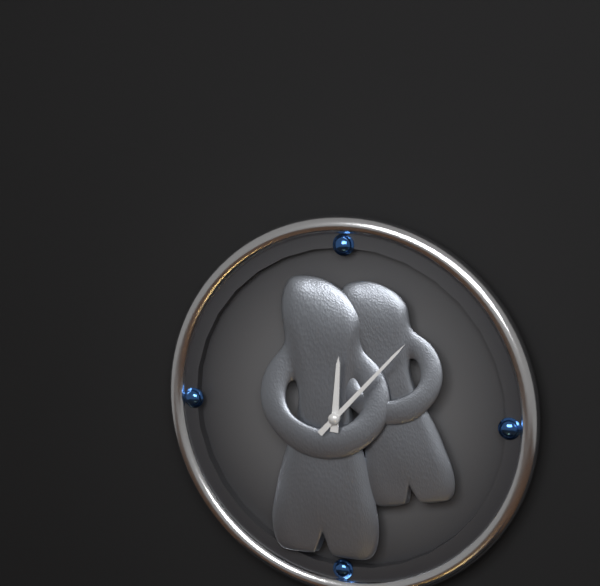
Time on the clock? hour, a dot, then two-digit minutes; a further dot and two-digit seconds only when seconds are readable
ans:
12.07
